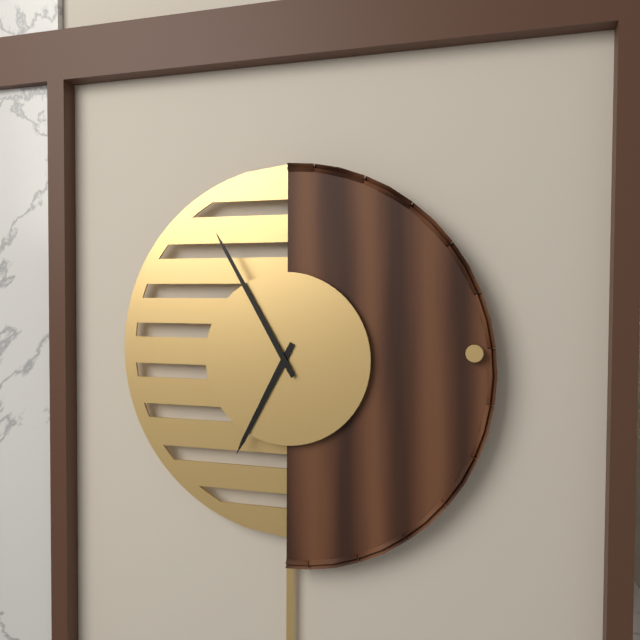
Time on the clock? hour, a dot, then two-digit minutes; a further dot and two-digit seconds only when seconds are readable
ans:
6.55
